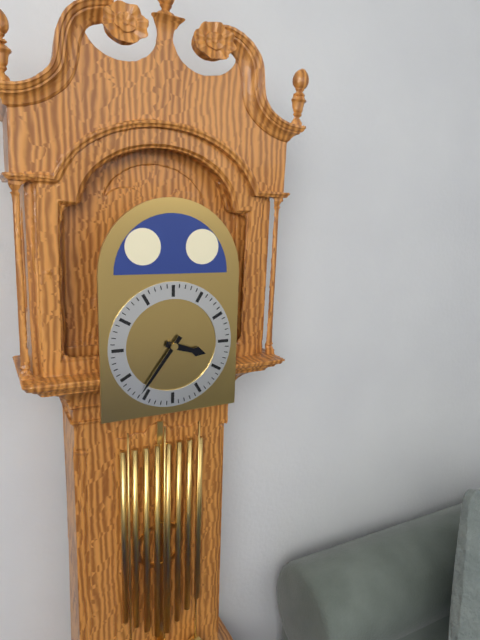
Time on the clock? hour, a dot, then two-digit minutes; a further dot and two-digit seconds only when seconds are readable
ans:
3.36
